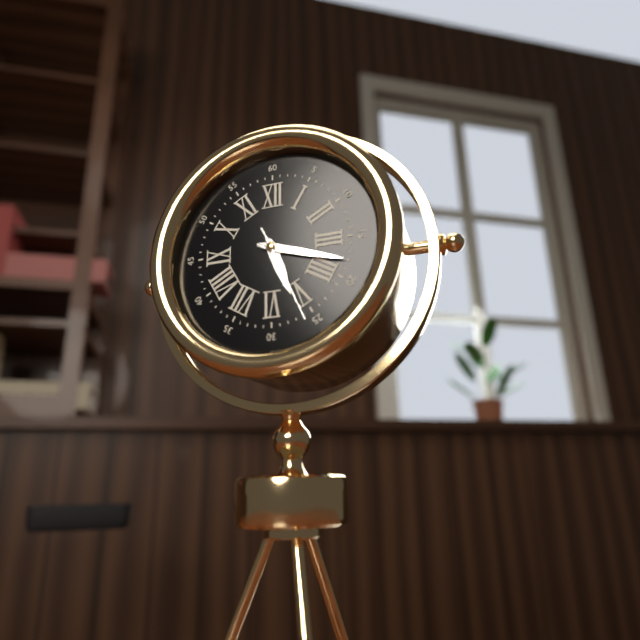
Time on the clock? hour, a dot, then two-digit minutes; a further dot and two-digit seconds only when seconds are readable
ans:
5.18.26
